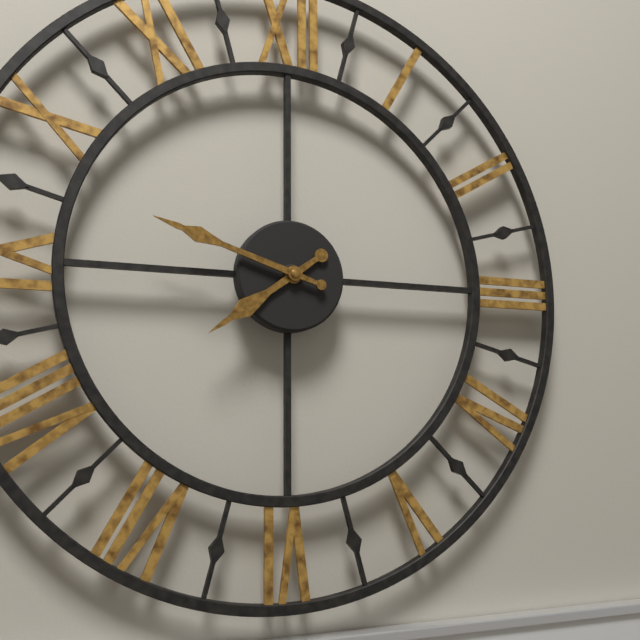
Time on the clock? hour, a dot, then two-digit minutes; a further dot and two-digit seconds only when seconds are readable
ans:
7.48
